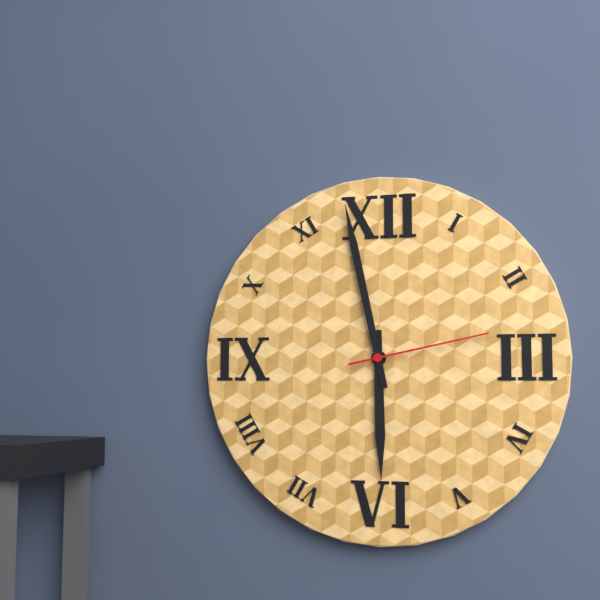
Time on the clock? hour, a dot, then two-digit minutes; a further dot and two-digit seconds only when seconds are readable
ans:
5.58.13
